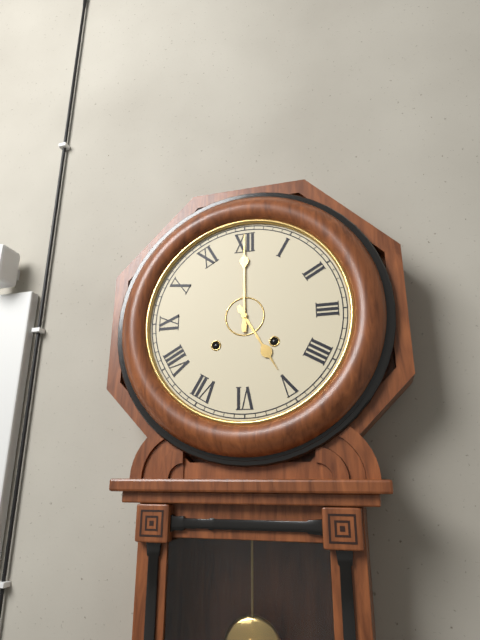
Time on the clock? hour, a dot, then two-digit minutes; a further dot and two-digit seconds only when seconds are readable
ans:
5.00
